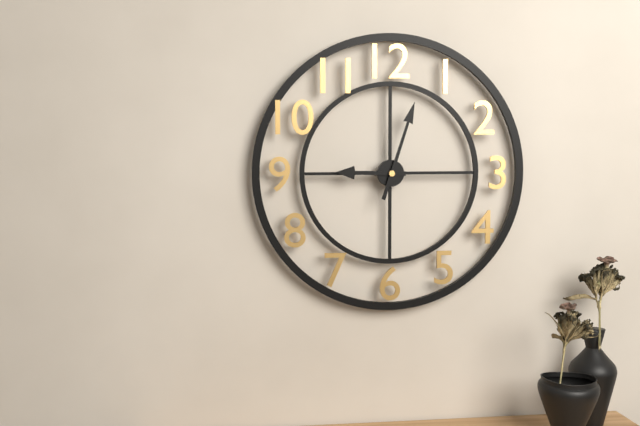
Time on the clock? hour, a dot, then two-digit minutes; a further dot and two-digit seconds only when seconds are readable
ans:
9.03
